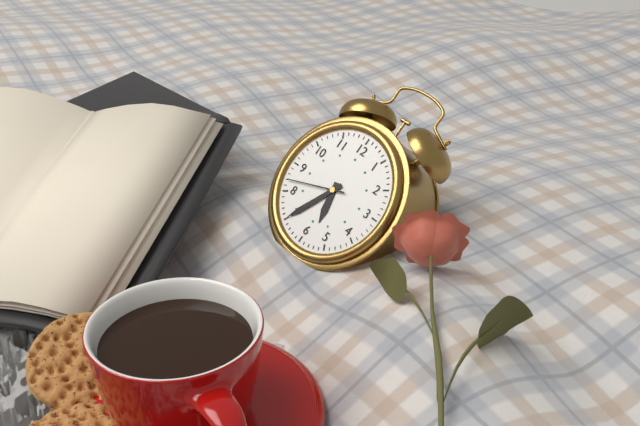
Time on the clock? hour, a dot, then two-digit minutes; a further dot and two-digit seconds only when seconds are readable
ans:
5.35.42
